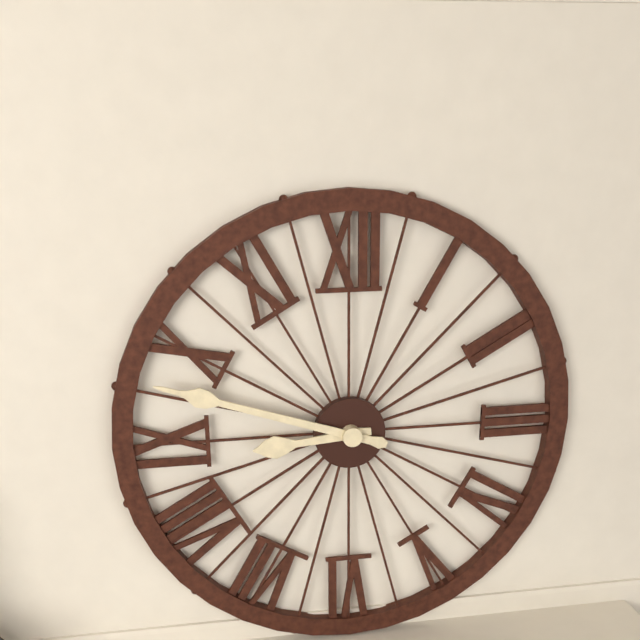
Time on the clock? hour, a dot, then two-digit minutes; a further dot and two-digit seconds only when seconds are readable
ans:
8.48
